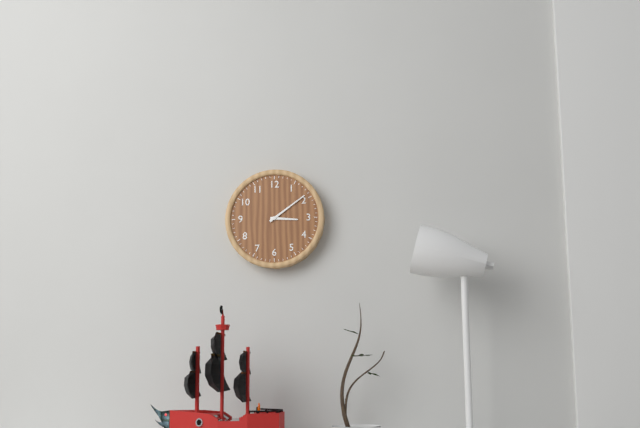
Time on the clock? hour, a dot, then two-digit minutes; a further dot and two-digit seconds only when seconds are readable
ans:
3.09
